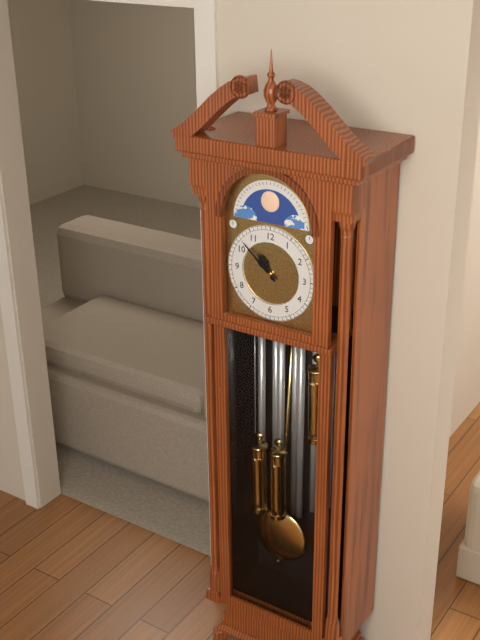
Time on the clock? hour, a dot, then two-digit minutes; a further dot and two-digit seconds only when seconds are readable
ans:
10.52
